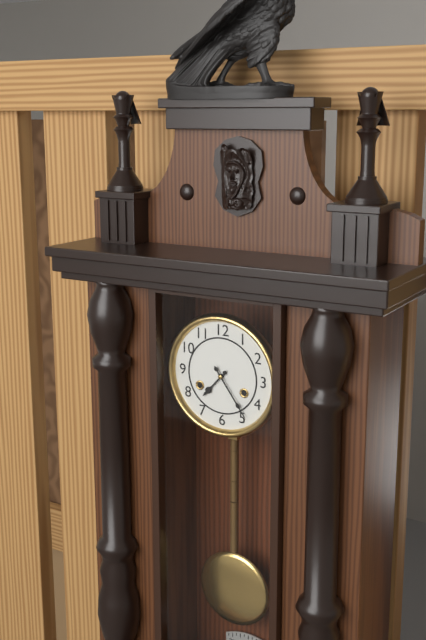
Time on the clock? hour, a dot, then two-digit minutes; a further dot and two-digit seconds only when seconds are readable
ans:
7.24
